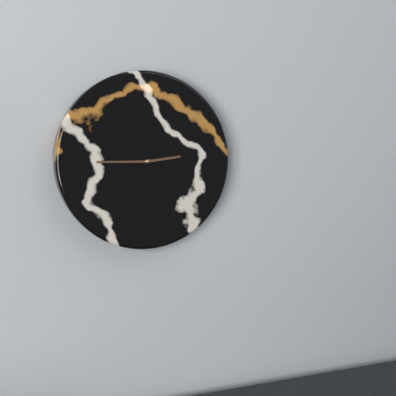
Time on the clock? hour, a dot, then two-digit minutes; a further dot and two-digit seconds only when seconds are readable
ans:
2.45
